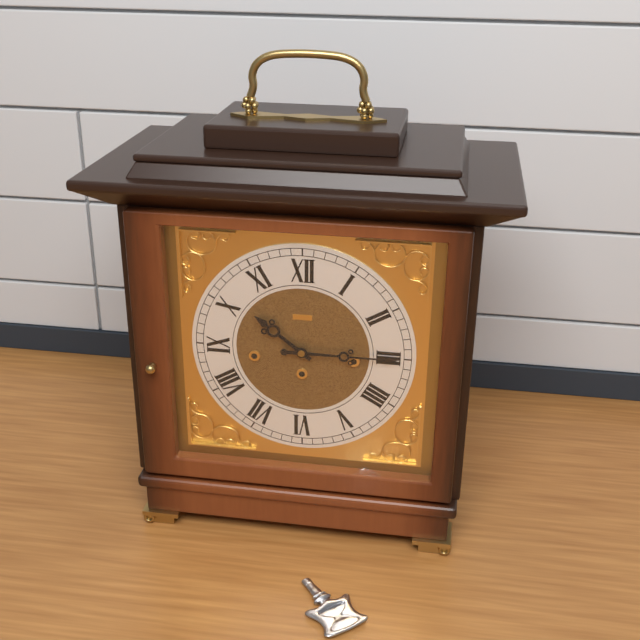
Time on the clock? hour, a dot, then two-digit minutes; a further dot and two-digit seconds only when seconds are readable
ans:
10.15
